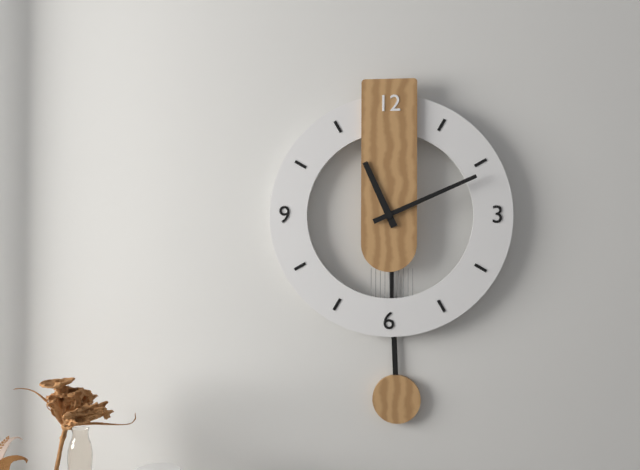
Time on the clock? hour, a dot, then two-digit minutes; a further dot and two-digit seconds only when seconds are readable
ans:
11.11
